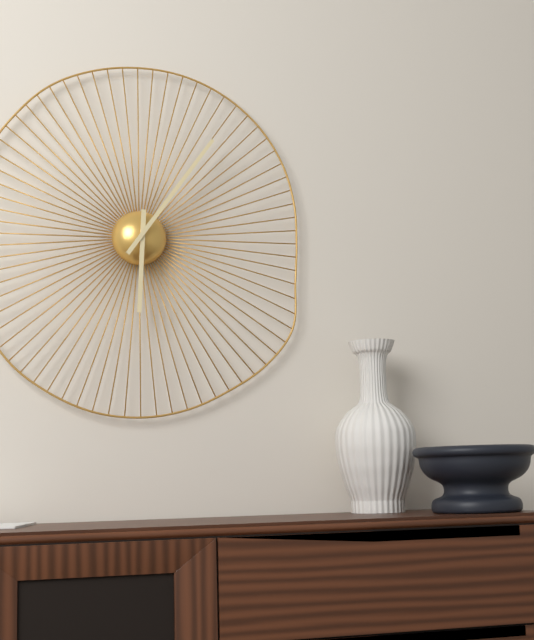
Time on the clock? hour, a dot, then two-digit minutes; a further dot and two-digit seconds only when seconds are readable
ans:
6.06
